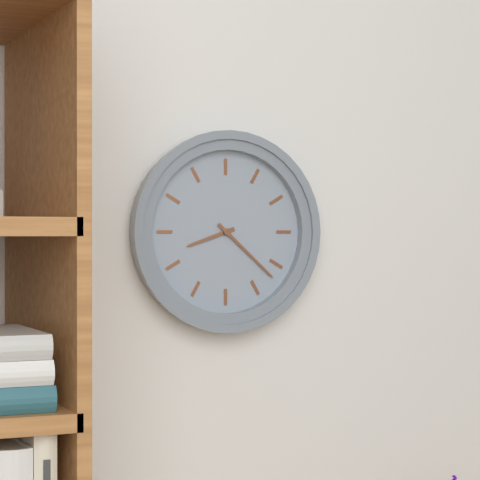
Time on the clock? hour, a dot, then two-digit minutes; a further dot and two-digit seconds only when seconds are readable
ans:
8.22
